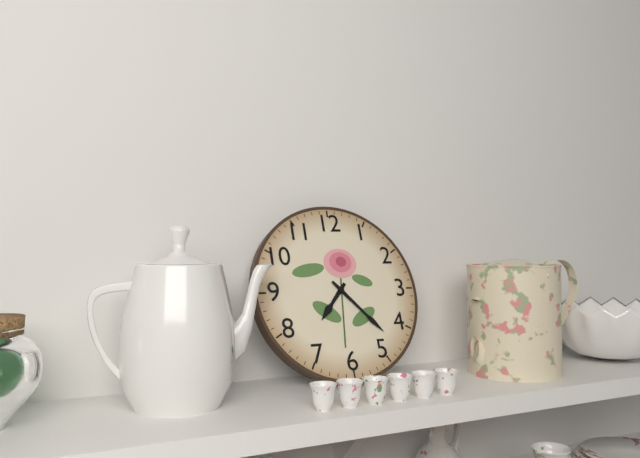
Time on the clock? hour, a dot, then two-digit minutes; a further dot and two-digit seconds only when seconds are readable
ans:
7.23
